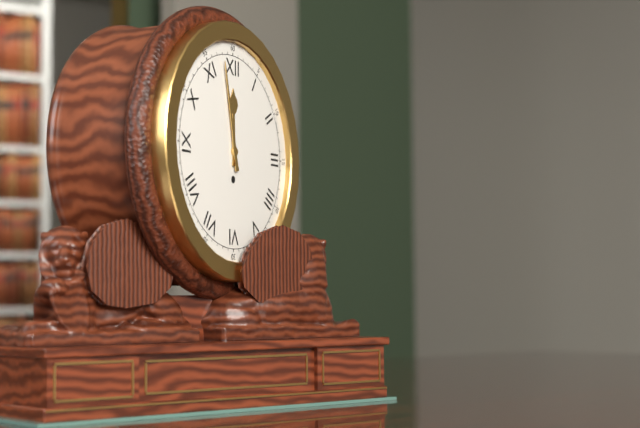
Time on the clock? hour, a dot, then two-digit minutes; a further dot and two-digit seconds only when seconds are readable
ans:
11.58
